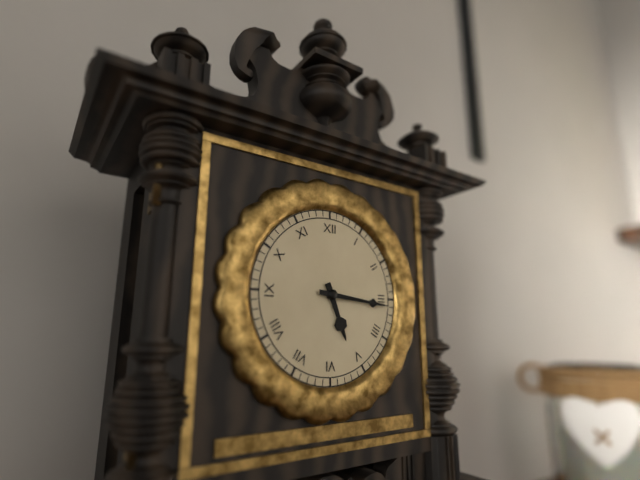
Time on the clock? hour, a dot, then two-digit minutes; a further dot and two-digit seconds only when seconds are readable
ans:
5.16
